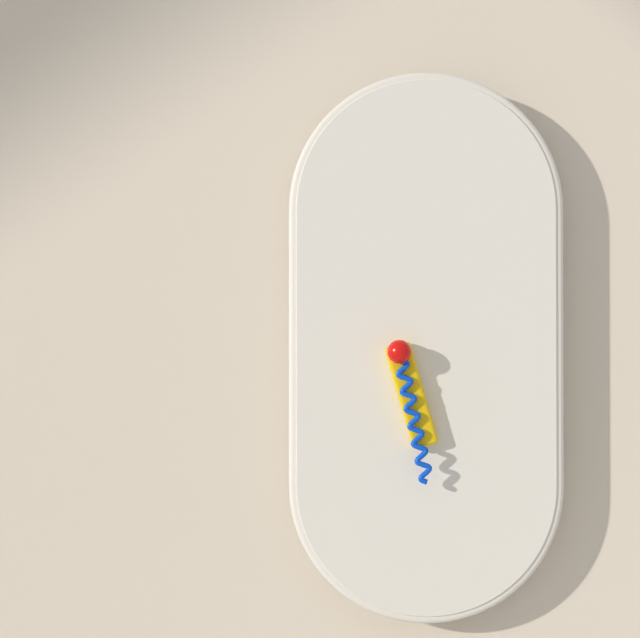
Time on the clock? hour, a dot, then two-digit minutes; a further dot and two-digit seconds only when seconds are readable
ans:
5.28
